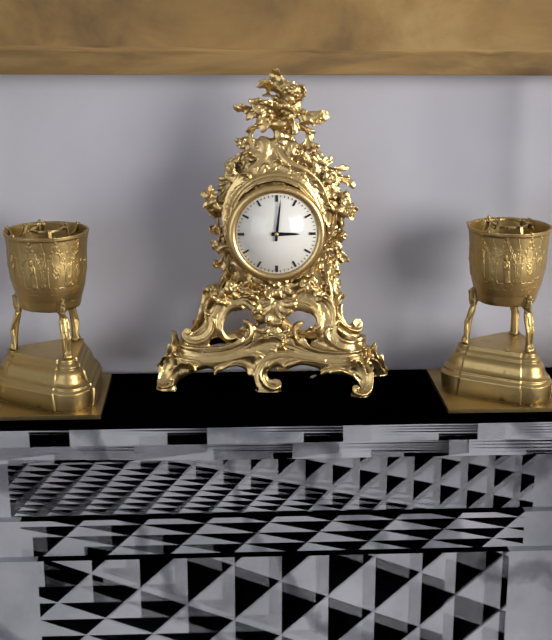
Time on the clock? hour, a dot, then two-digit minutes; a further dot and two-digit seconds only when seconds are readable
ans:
3.01
